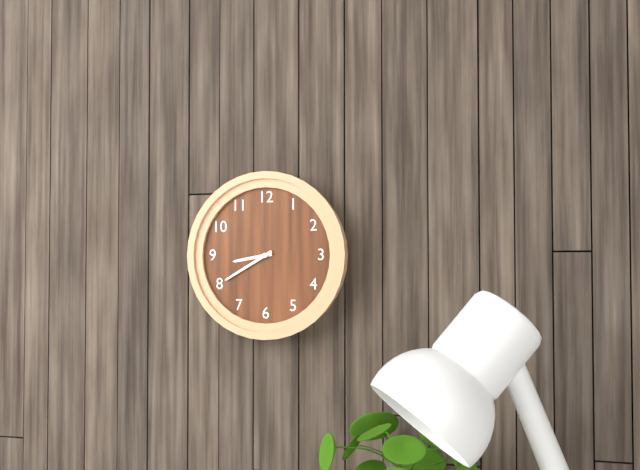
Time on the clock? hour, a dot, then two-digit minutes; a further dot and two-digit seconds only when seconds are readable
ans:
8.40
